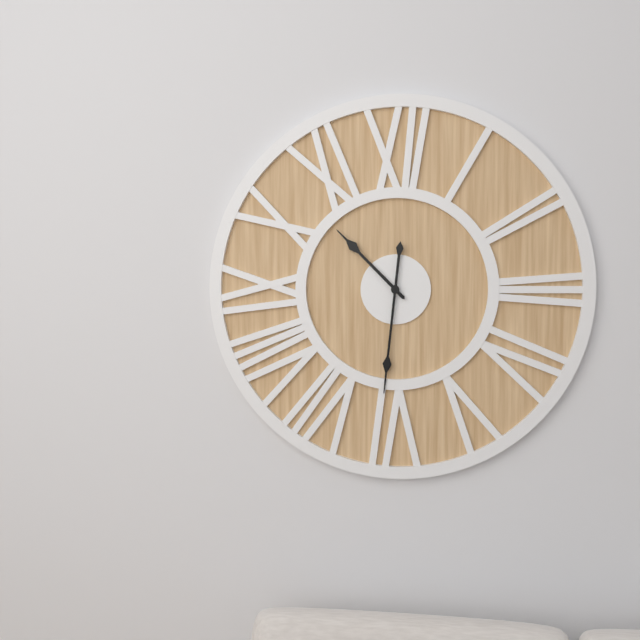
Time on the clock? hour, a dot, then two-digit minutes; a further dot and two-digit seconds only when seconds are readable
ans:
10.31
